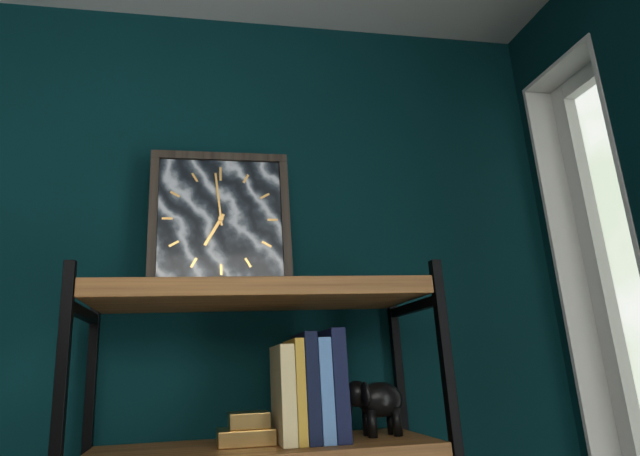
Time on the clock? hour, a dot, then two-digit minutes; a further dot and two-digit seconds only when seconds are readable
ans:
6.59
